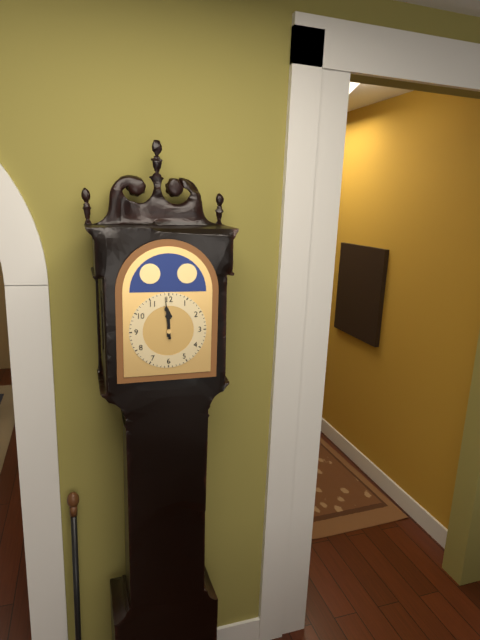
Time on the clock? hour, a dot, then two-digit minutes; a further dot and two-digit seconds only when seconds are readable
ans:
11.59
